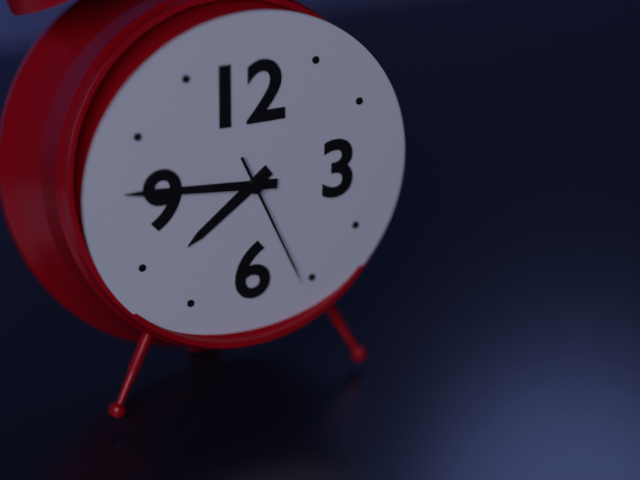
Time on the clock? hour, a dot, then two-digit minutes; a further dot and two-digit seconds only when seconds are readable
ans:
7.46.26
